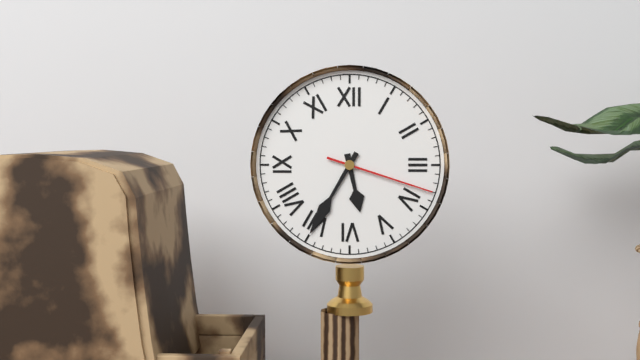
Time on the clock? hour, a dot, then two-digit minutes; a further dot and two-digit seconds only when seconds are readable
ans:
5.35.18
